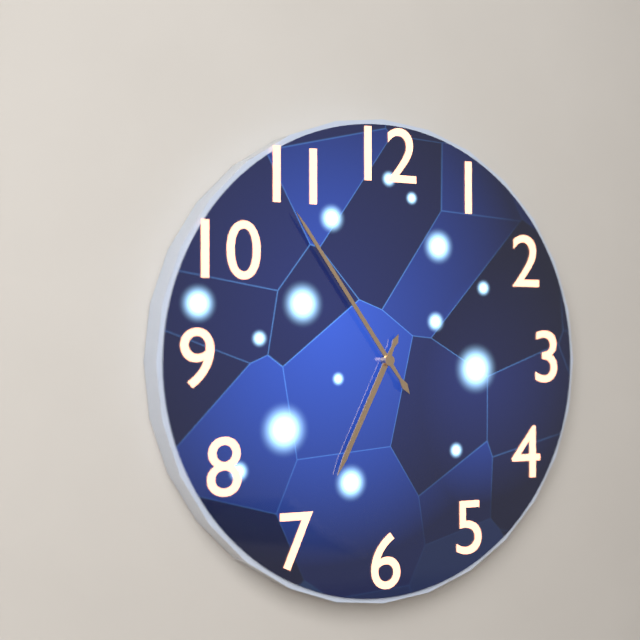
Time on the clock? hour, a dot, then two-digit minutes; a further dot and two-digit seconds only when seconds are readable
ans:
6.54
